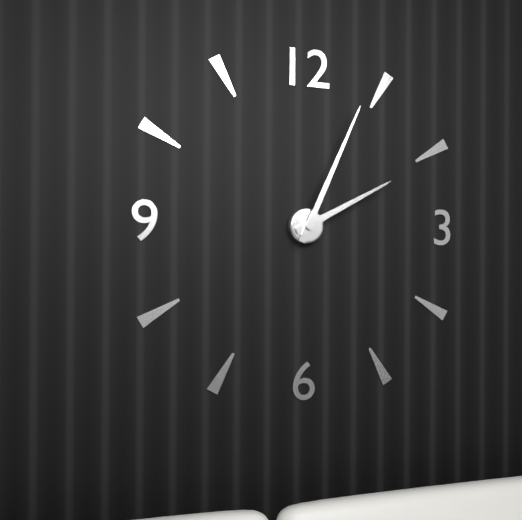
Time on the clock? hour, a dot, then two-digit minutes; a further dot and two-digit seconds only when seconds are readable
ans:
2.04
